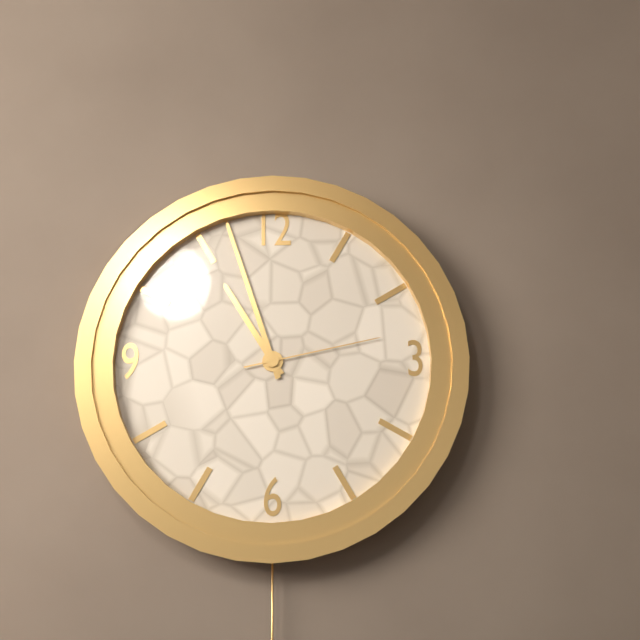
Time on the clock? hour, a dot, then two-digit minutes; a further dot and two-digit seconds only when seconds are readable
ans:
10.57.13
